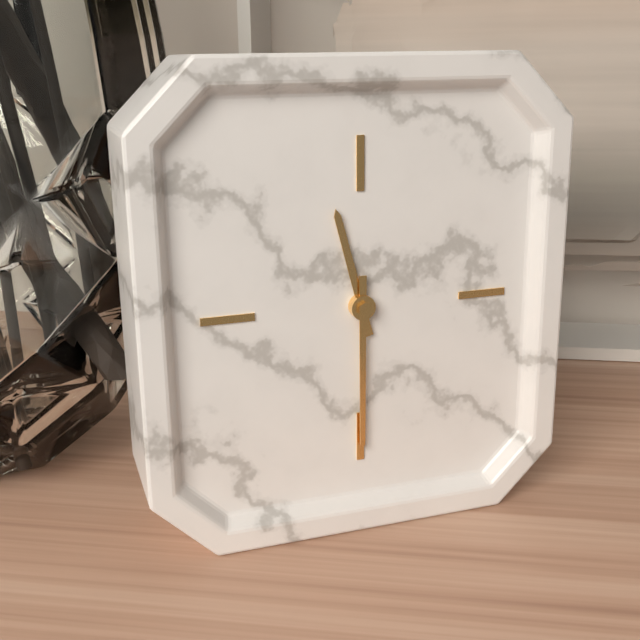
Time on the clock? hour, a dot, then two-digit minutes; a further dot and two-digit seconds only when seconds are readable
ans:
11.30
